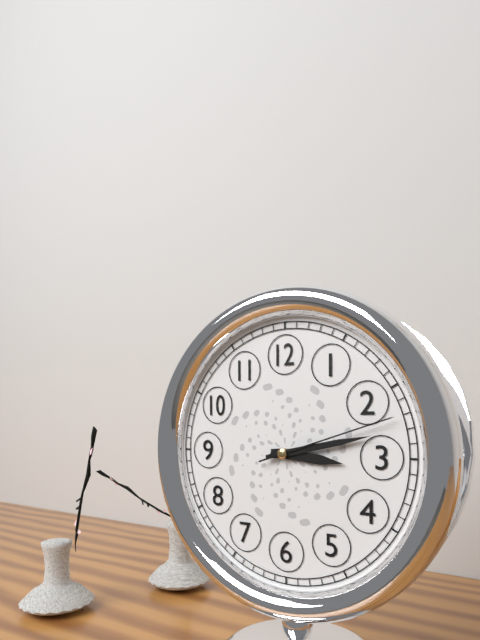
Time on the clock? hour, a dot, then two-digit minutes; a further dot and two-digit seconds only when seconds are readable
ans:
3.13.12
